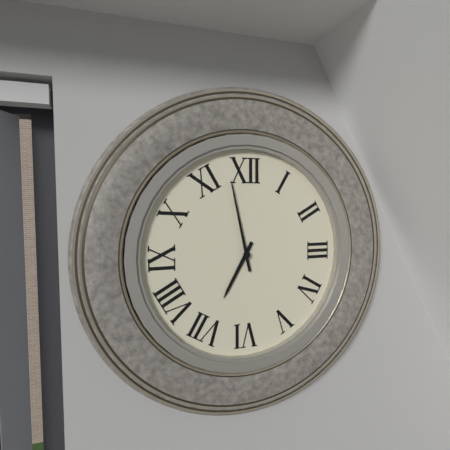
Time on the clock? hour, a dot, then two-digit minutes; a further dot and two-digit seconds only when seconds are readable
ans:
6.58
